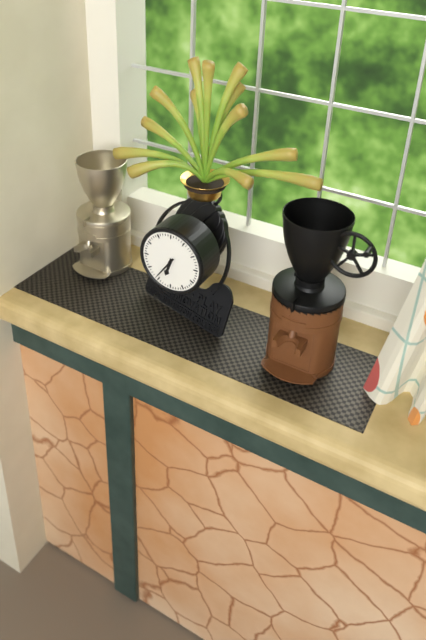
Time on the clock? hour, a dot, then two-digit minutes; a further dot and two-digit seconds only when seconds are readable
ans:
6.36
